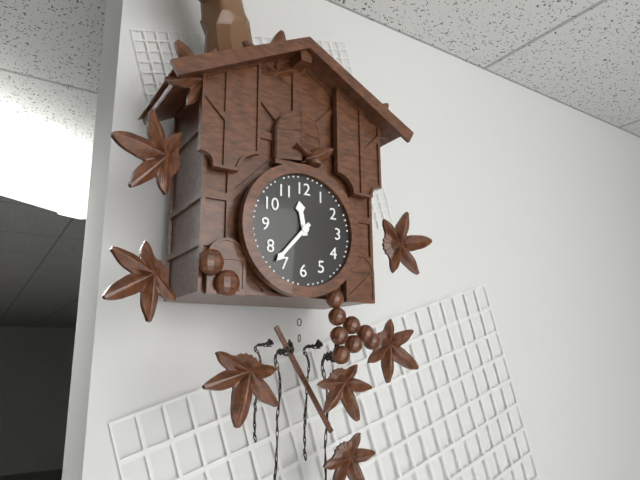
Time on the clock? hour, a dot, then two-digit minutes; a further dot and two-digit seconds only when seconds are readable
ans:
11.37
